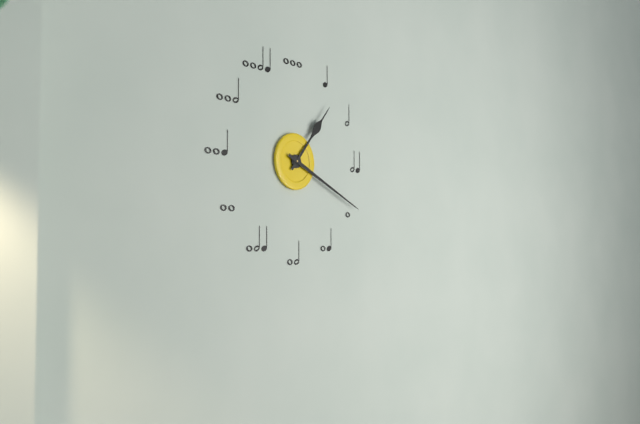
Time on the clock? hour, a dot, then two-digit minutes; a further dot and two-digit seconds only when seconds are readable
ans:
1.19
